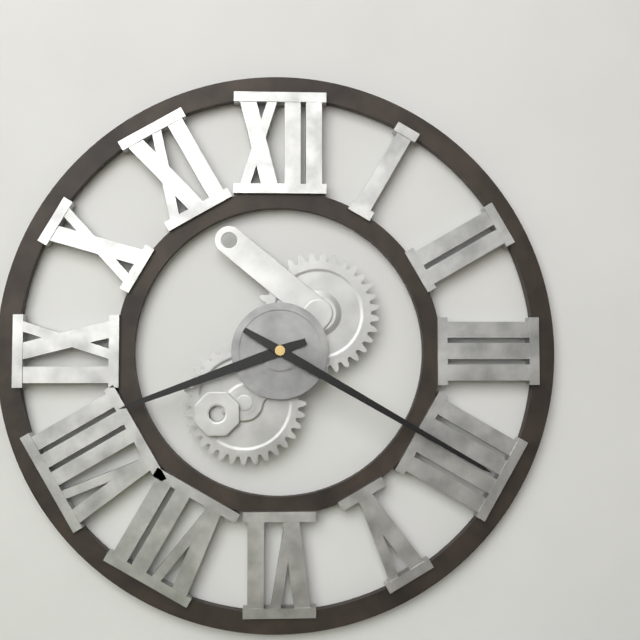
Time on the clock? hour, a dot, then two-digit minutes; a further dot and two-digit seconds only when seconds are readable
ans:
8.20
